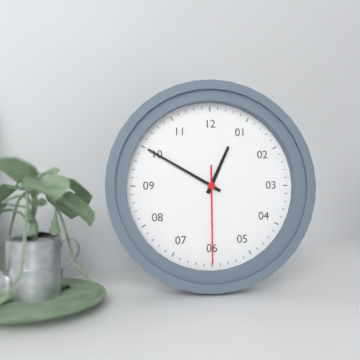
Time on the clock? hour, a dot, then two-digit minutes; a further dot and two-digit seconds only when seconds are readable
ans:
12.50.30
